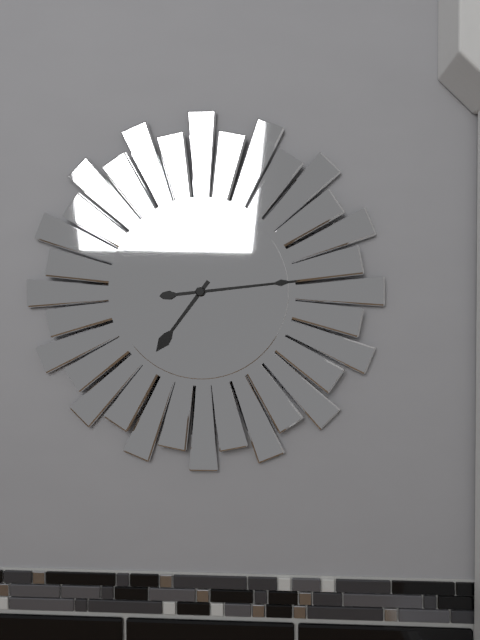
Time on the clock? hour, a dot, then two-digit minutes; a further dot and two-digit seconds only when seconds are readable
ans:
7.14
